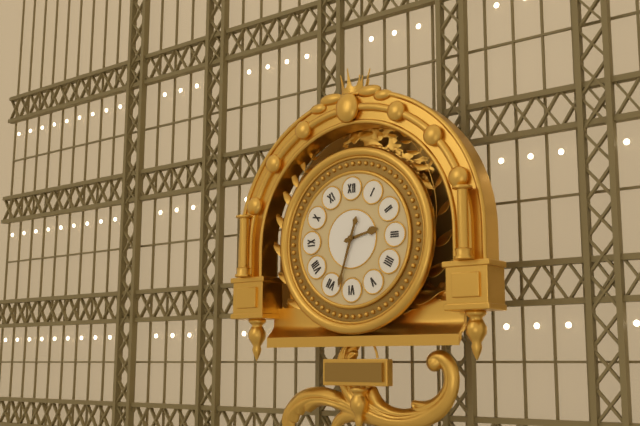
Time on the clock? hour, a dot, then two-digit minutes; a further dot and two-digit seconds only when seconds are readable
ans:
2.33
